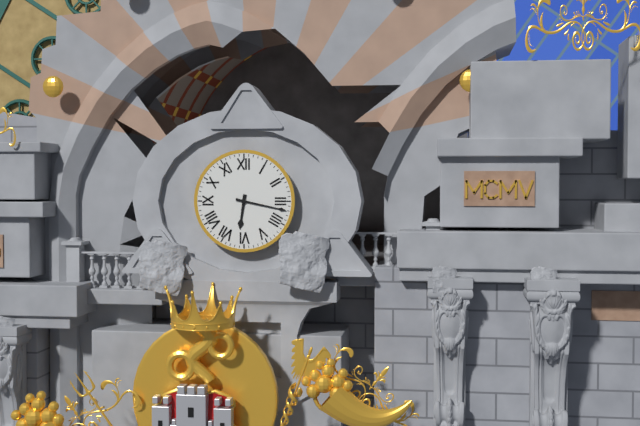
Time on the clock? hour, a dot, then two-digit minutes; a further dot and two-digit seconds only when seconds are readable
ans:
6.17
